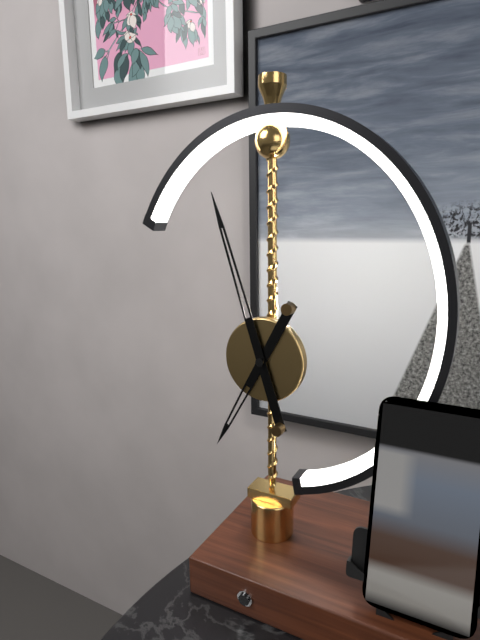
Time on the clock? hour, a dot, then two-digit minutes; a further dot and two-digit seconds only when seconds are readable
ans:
6.57
